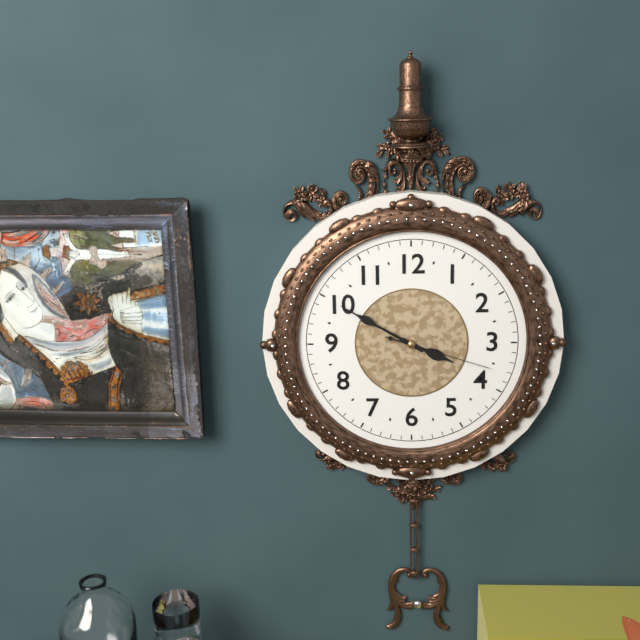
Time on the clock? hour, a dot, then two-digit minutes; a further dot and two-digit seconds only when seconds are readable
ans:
3.50.18
